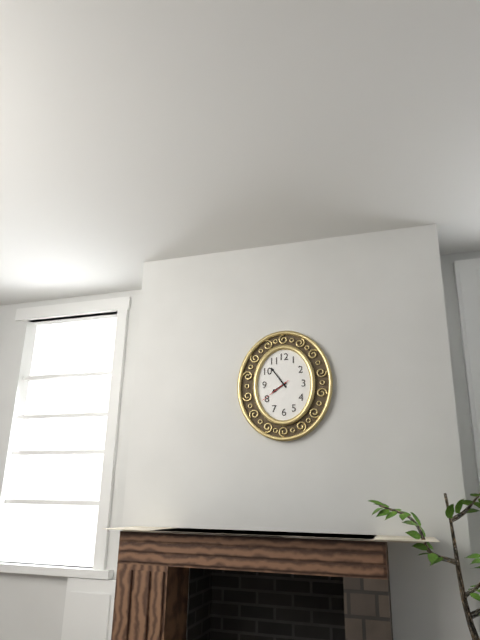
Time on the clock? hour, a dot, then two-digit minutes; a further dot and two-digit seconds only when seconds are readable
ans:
7.54
